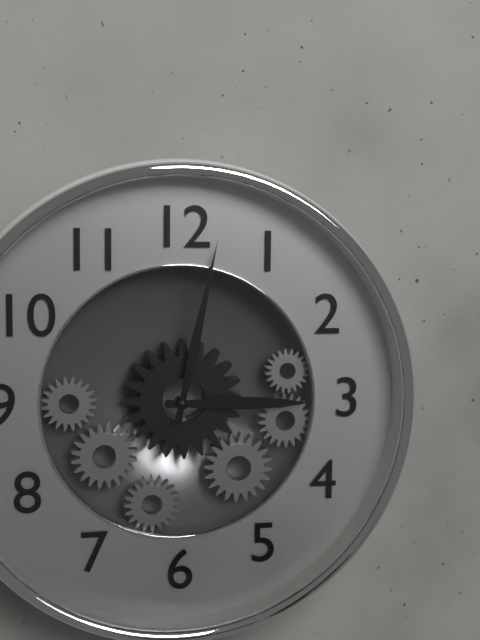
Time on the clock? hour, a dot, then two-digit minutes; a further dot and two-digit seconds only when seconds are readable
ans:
3.02
